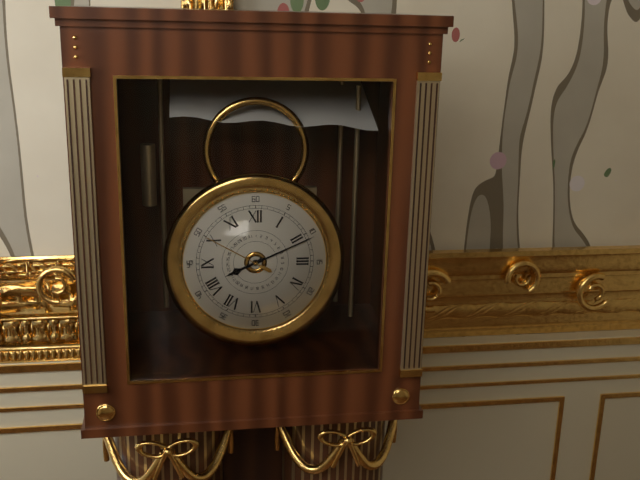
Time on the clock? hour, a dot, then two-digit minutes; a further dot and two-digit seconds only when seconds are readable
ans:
8.11.50
